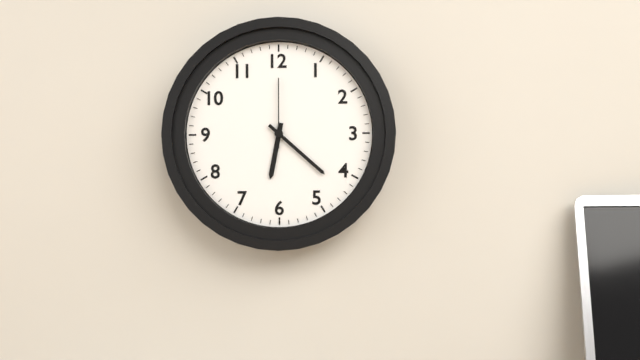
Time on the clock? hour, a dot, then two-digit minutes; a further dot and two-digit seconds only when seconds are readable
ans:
6.22.00
